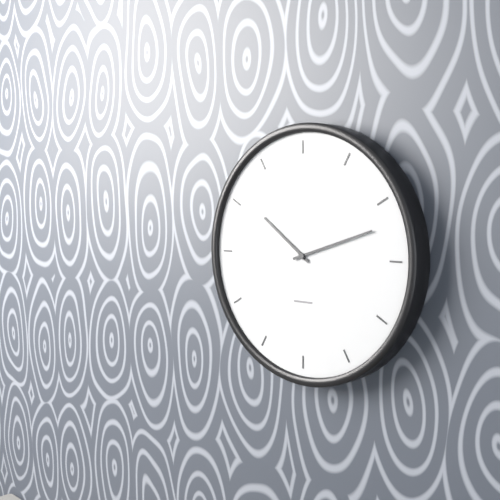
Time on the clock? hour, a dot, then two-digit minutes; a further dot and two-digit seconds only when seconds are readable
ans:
10.12
